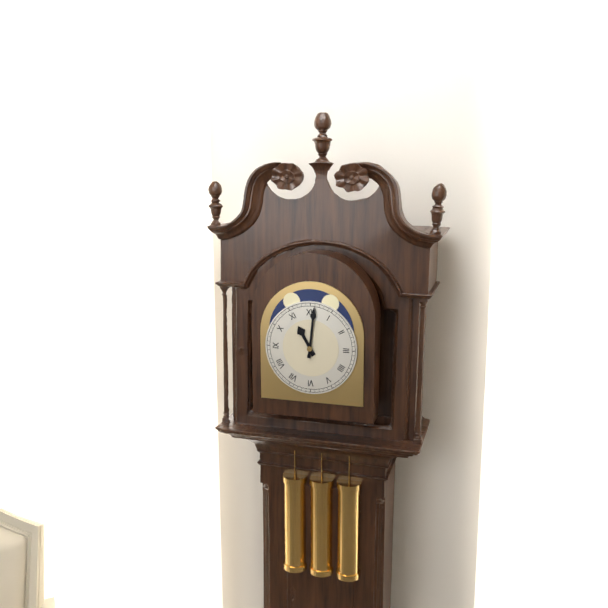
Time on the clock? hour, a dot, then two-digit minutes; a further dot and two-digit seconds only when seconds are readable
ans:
11.01
